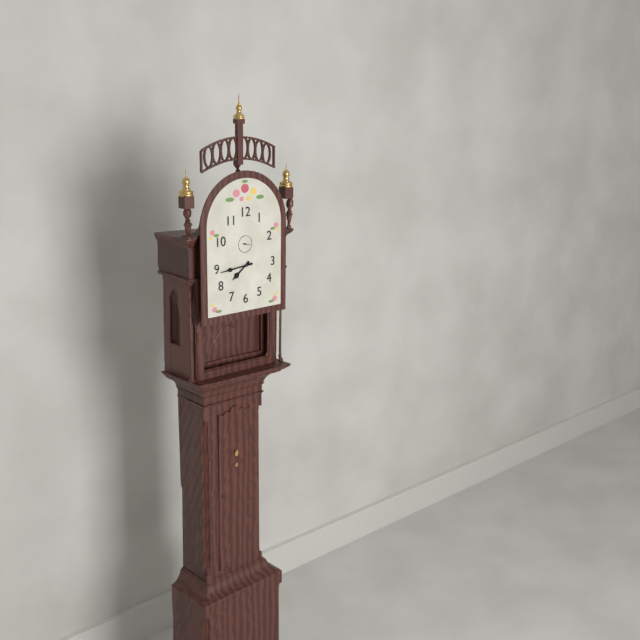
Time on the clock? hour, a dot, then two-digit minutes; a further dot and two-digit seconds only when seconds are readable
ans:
7.44
